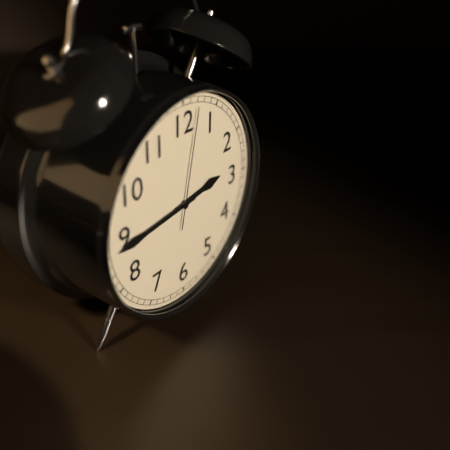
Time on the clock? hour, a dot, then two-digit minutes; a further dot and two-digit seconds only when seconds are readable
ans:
2.44.02
